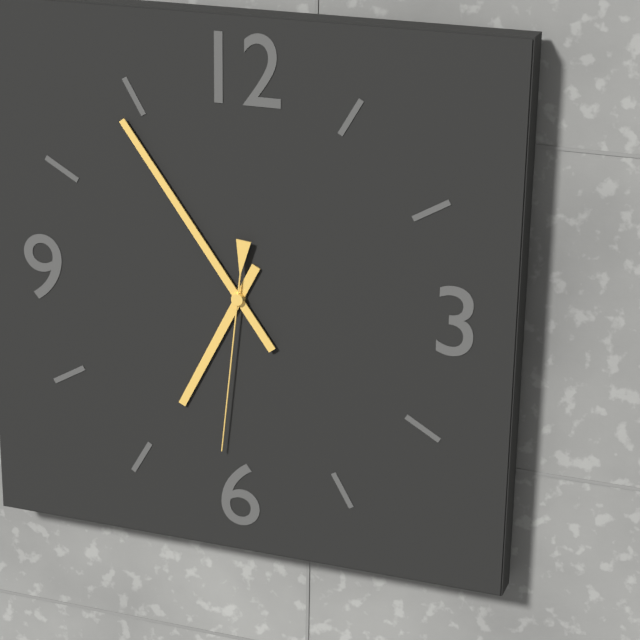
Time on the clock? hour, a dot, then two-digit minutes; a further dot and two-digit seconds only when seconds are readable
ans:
6.54.31
